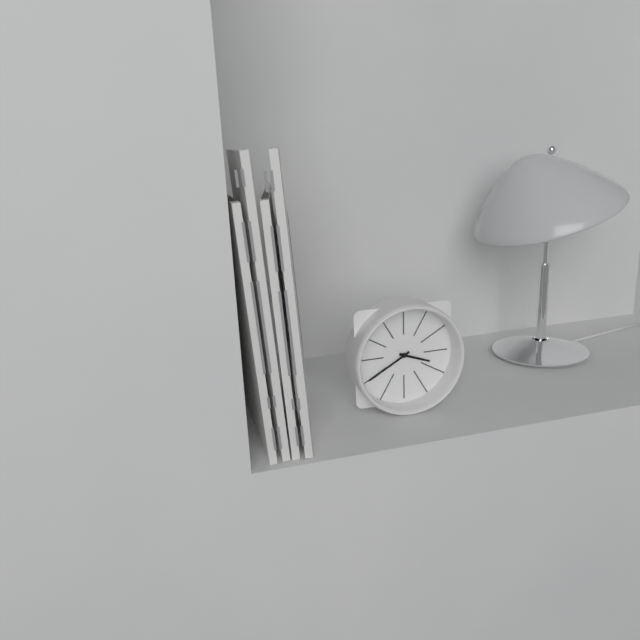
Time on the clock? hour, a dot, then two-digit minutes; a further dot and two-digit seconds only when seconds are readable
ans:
3.40
